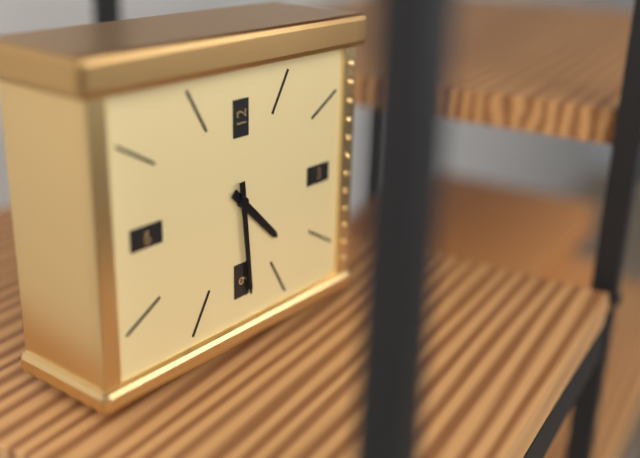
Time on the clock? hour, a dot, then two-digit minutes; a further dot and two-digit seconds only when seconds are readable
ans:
4.29
